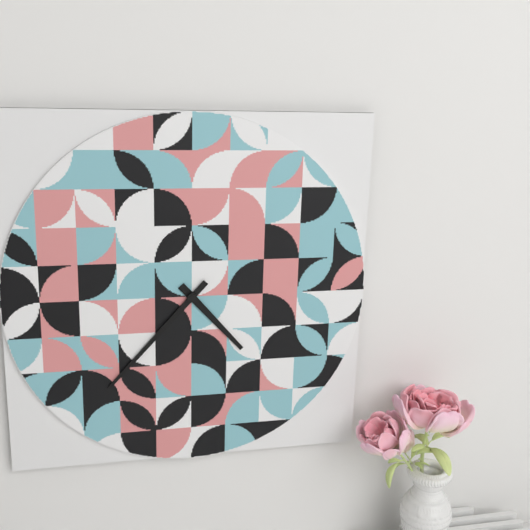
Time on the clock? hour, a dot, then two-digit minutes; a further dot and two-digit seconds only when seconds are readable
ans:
4.37
